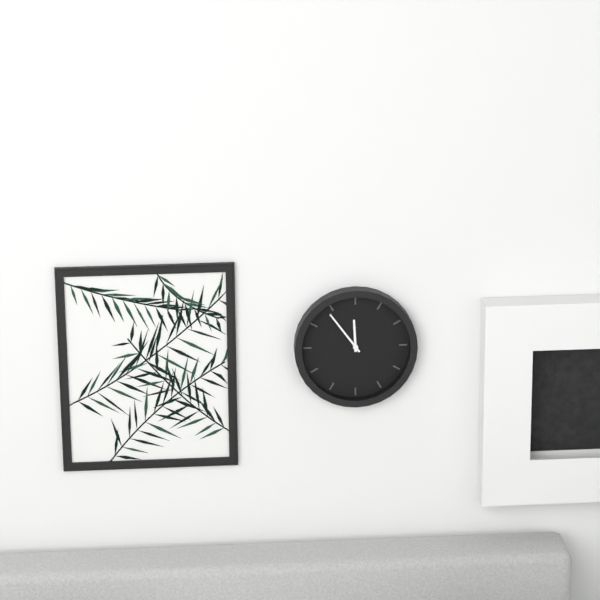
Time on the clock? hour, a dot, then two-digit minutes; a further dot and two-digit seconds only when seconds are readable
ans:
11.54
